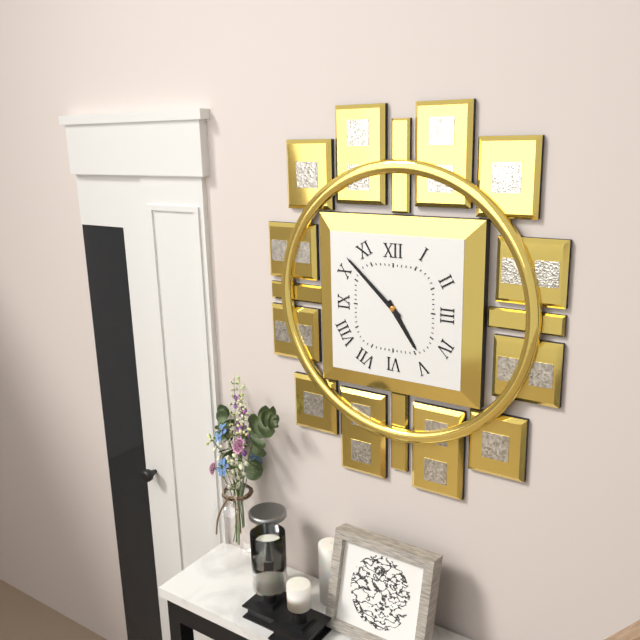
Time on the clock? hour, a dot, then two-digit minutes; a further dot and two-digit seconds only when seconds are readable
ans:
4.52
